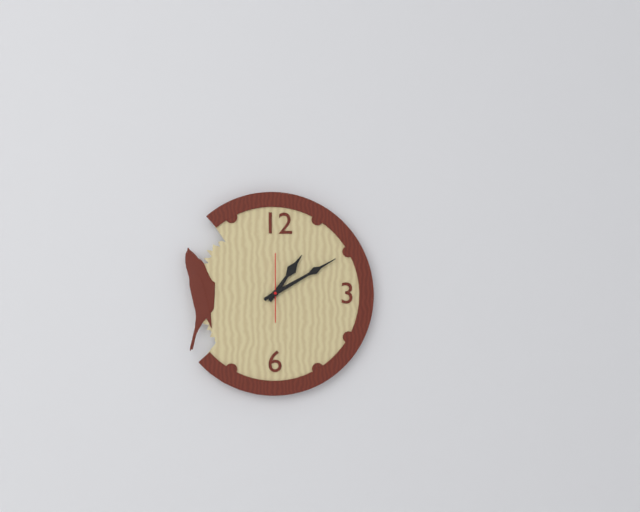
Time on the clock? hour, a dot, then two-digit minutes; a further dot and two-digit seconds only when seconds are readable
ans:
1.10.00
